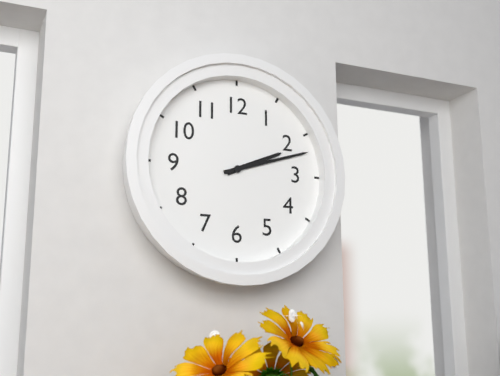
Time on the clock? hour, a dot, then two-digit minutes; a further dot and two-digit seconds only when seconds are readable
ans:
2.12
